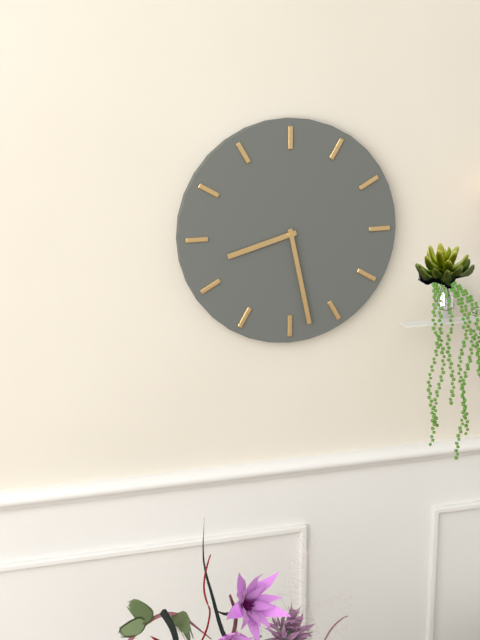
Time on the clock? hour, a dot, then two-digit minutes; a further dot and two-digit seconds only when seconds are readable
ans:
8.28
